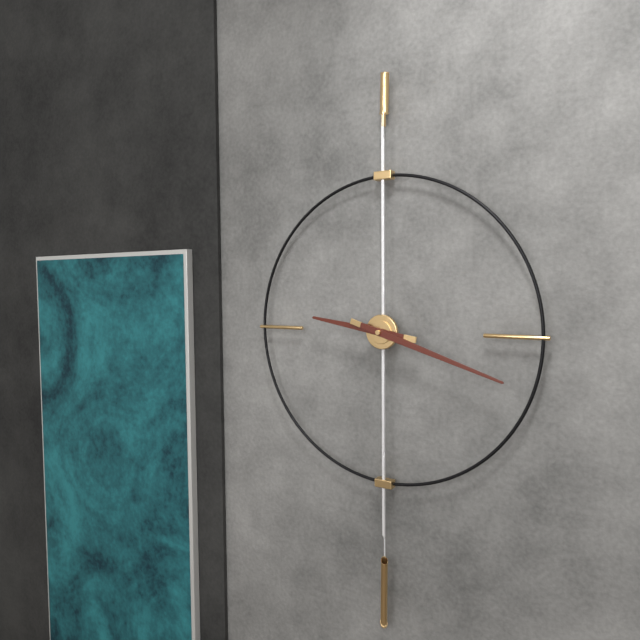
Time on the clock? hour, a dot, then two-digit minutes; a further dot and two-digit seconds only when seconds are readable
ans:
9.18
